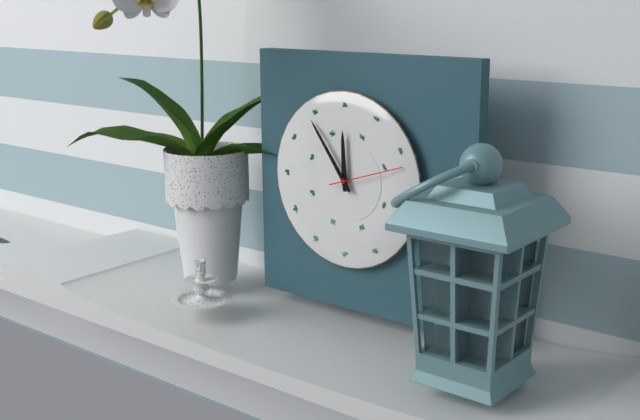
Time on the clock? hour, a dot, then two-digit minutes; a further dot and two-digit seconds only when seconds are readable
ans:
11.54.12
